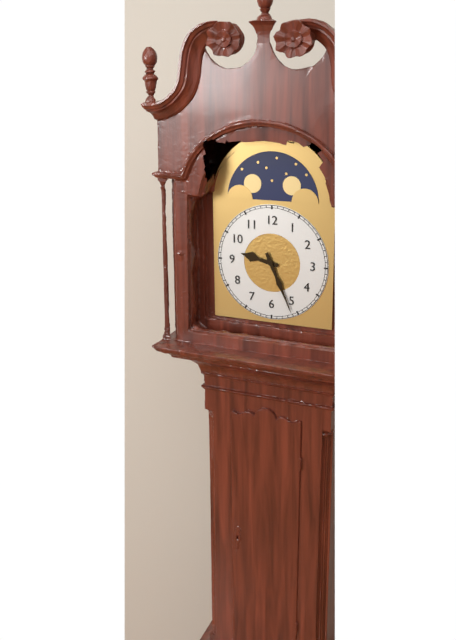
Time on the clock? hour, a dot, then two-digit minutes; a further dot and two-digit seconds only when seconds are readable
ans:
9.26
